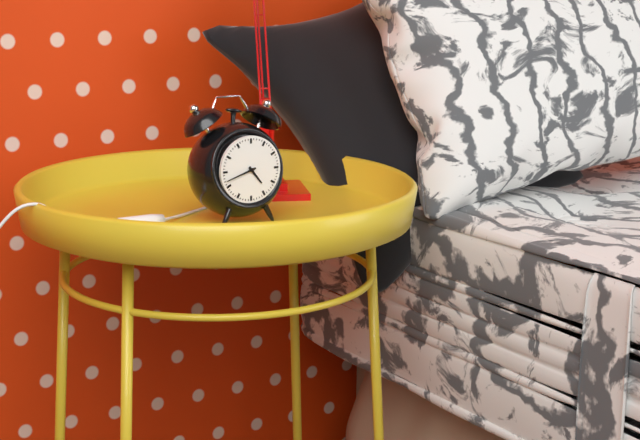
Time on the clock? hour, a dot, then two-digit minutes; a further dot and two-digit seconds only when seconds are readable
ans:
4.42
